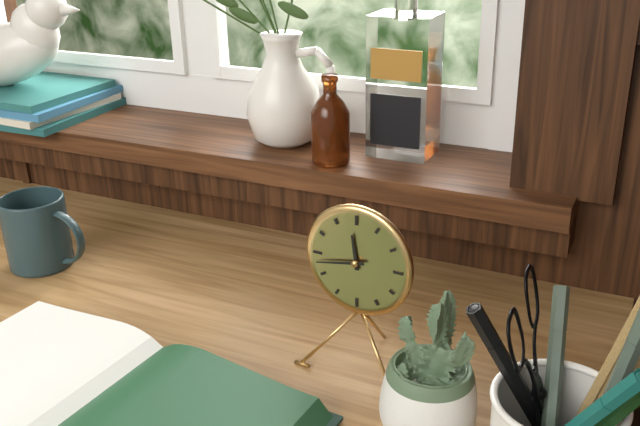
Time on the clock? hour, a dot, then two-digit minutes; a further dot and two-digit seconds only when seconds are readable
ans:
11.43
